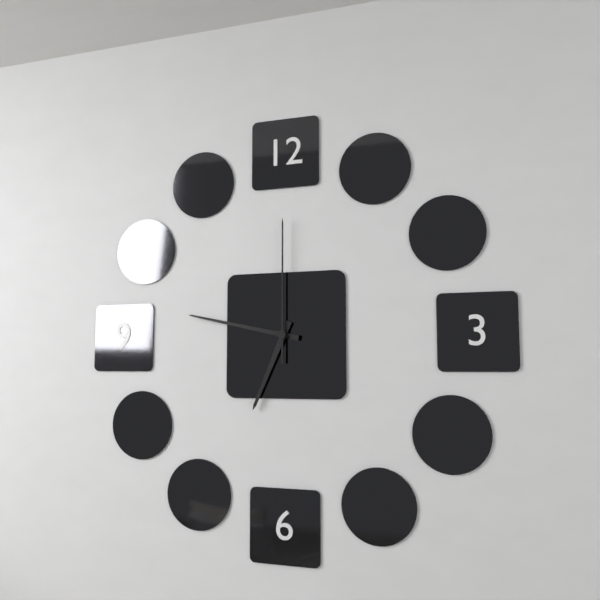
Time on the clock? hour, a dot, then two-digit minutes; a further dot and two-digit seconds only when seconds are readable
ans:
6.47.00
